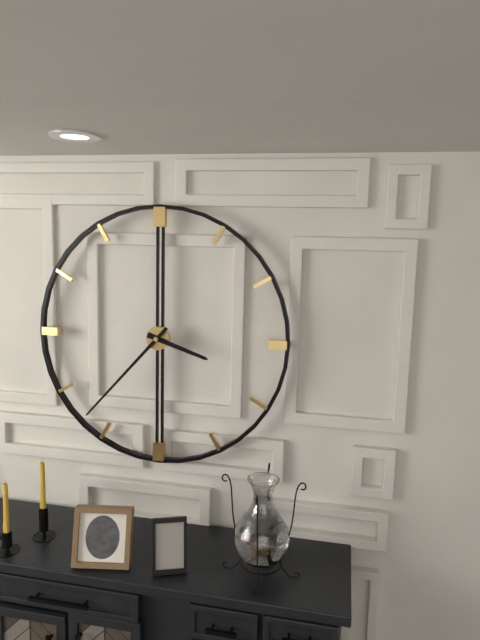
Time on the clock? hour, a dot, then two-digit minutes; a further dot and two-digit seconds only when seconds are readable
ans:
3.37
